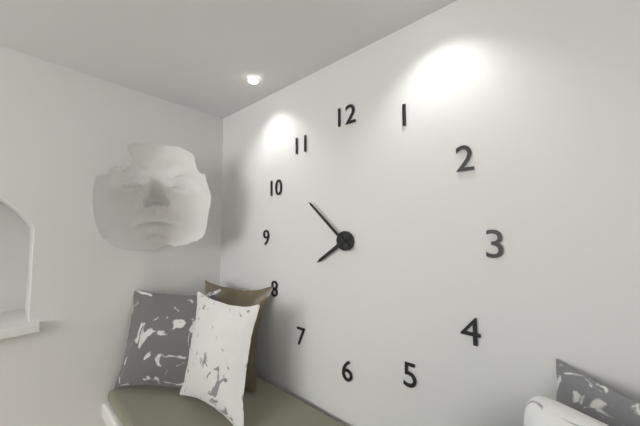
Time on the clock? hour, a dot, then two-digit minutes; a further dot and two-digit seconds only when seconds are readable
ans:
7.52
